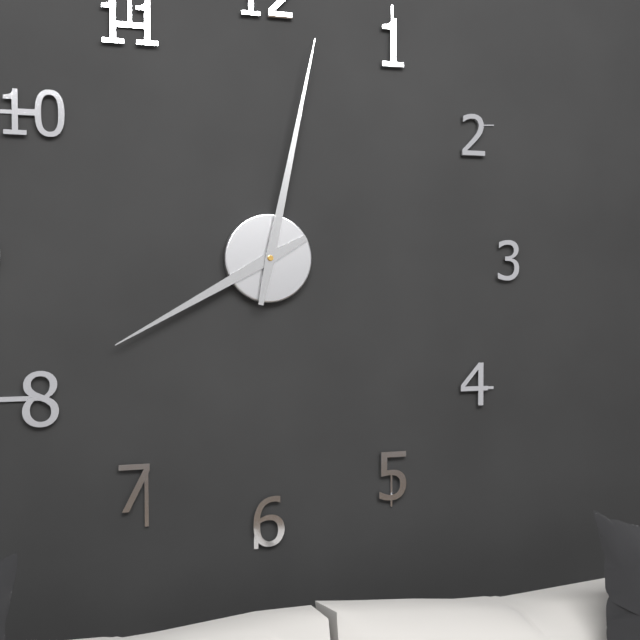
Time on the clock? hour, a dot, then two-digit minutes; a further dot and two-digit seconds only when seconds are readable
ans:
8.02
